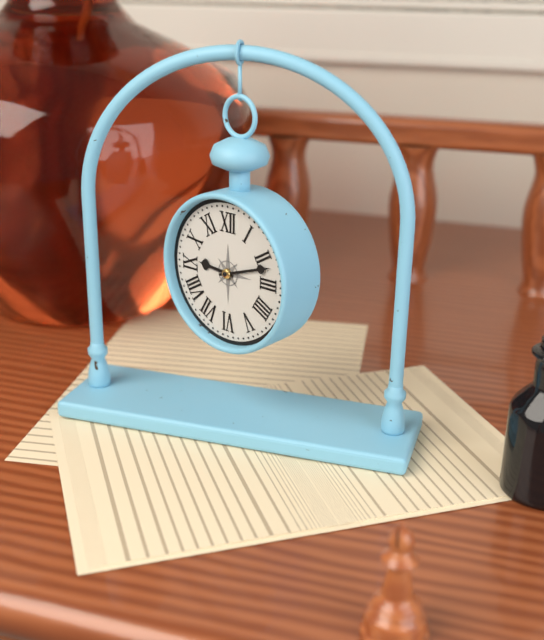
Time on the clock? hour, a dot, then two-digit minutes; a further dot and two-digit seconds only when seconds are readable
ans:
9.12
